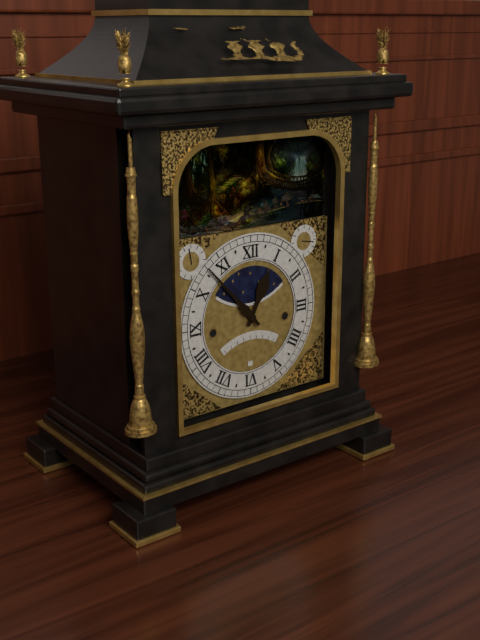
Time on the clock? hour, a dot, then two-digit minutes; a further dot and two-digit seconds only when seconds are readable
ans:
12.53
